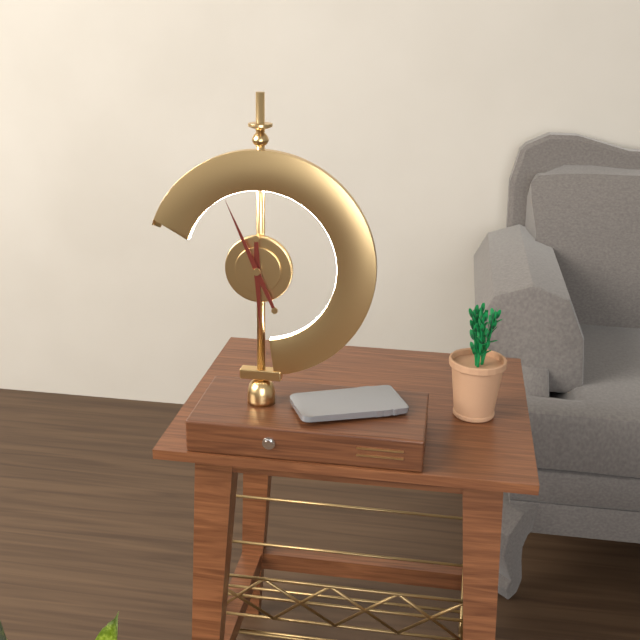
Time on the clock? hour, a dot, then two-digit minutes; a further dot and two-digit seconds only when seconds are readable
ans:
5.56
